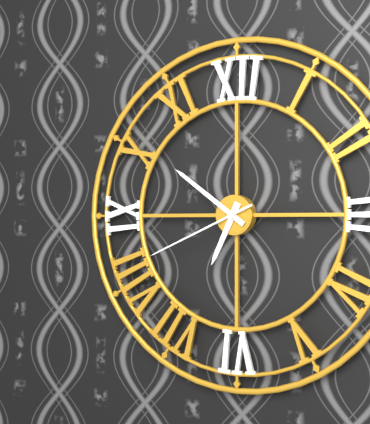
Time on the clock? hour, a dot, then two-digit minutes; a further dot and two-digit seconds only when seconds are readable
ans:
6.51.41
